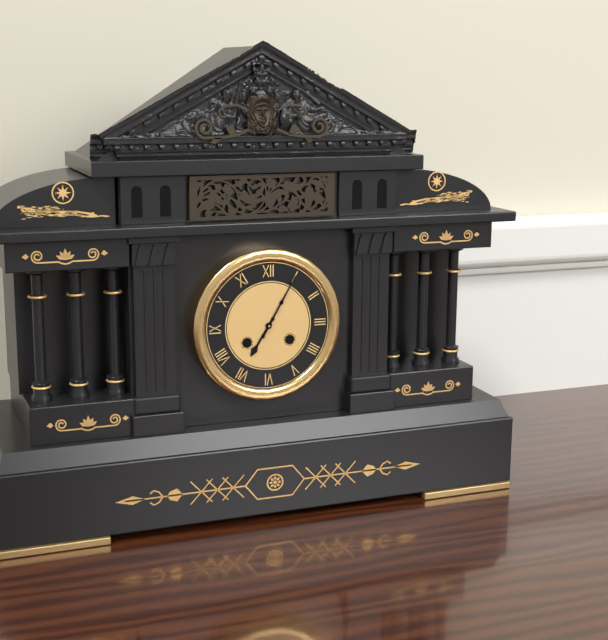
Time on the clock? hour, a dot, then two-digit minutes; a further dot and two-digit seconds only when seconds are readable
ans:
7.05
